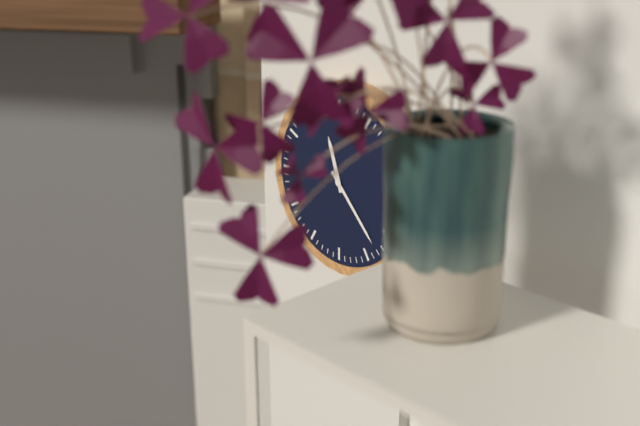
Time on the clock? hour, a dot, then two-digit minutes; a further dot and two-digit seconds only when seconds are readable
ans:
11.23
